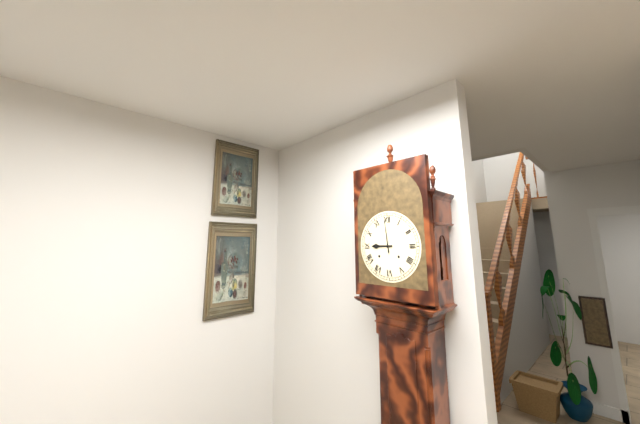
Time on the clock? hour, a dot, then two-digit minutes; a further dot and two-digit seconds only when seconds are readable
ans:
8.59
